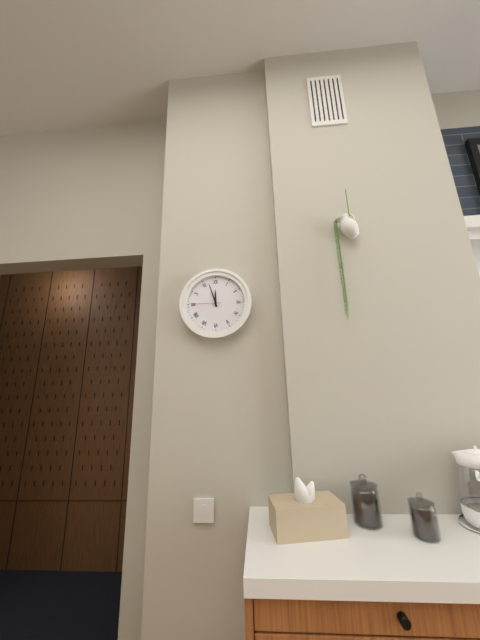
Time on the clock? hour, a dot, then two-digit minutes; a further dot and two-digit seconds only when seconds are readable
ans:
11.57
